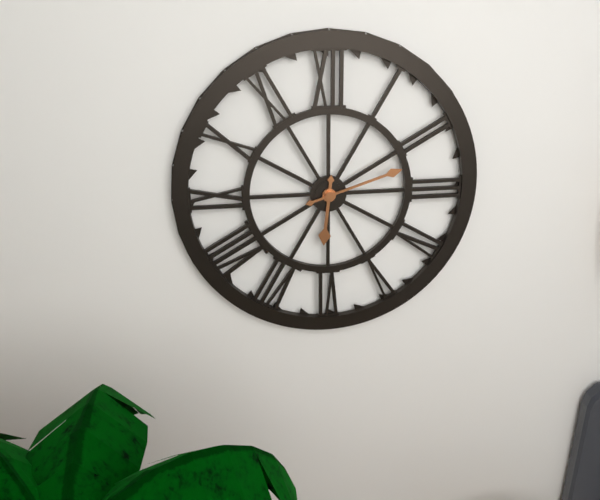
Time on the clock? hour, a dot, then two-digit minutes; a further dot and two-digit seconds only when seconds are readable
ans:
6.12
